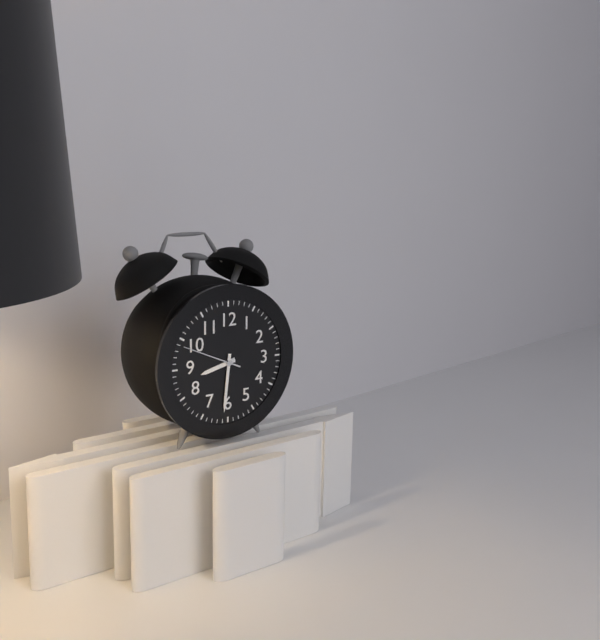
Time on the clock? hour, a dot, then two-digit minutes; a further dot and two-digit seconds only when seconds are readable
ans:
8.31.49
